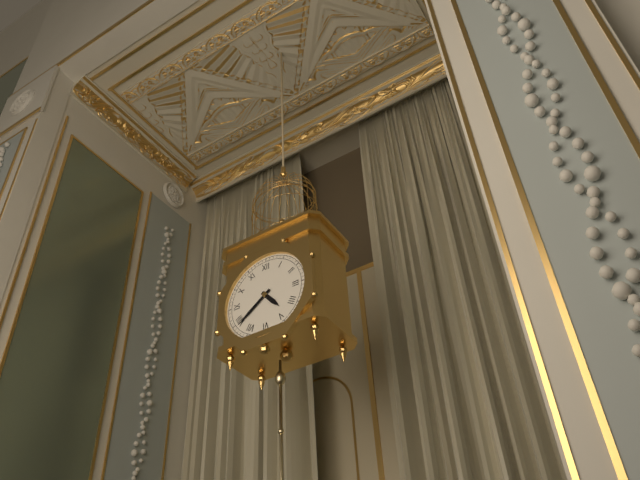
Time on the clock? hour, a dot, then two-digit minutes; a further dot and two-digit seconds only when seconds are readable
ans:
4.39
